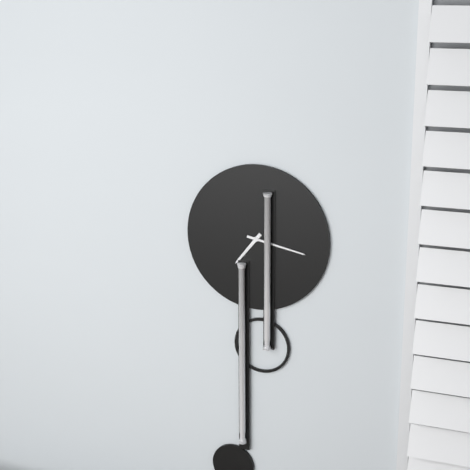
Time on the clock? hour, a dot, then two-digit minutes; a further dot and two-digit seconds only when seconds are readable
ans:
7.17
